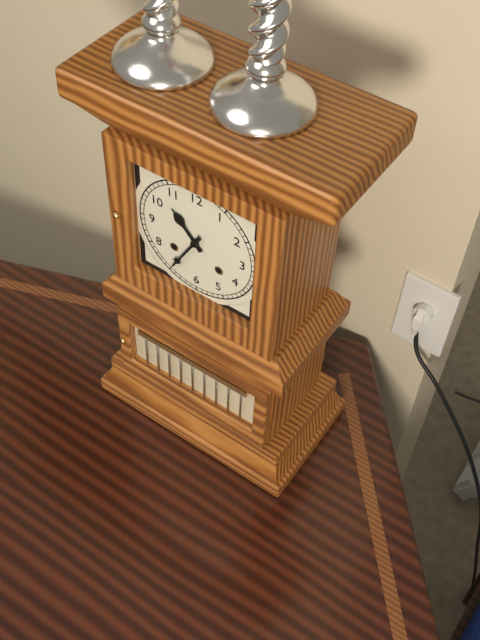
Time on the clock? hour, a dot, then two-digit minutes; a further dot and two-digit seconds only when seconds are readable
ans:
10.35
